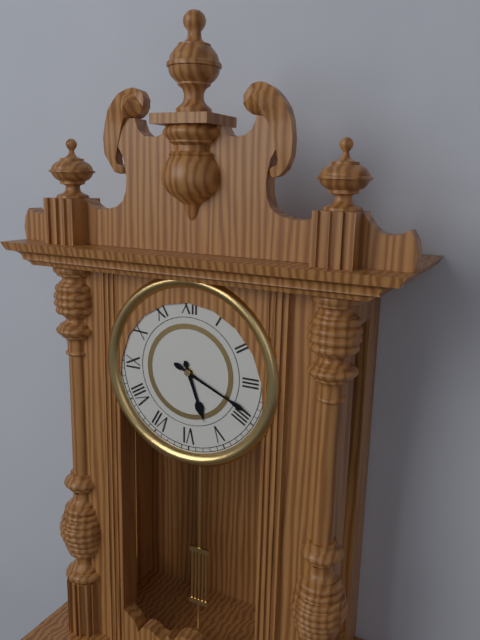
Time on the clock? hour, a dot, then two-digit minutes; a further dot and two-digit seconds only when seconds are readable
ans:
5.19
